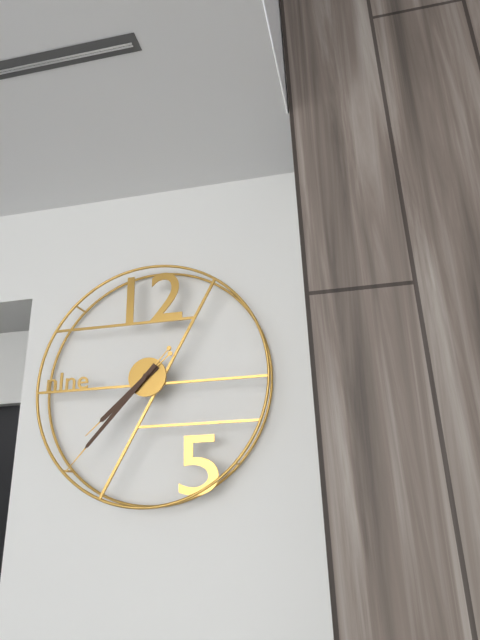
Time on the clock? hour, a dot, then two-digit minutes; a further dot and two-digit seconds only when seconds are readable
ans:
7.37
